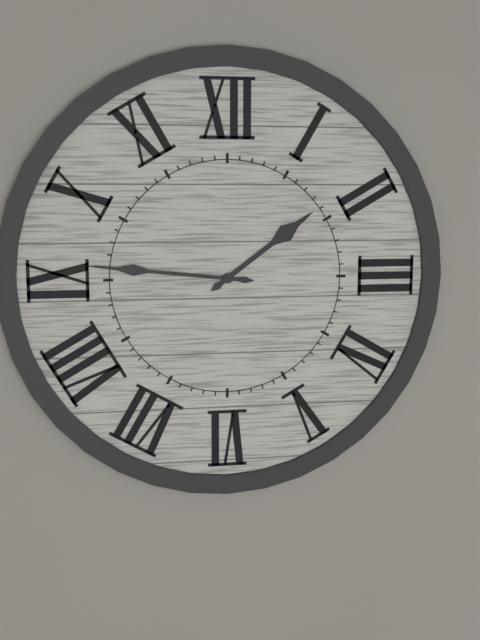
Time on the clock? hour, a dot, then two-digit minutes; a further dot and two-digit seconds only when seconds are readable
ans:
1.46
